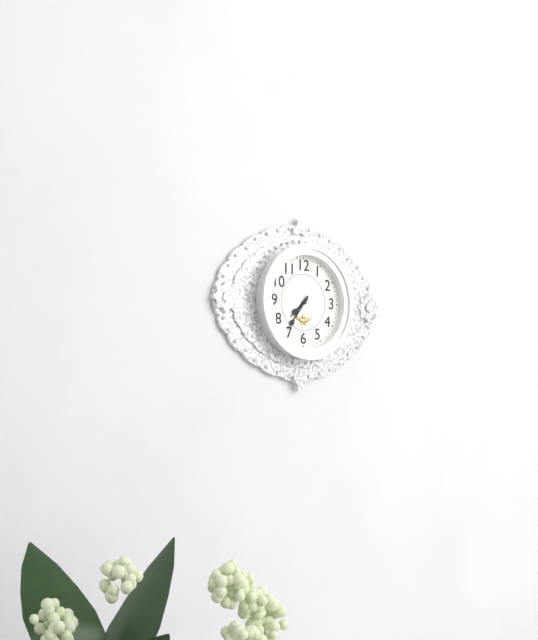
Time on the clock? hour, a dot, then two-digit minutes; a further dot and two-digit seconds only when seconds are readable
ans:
7.36
